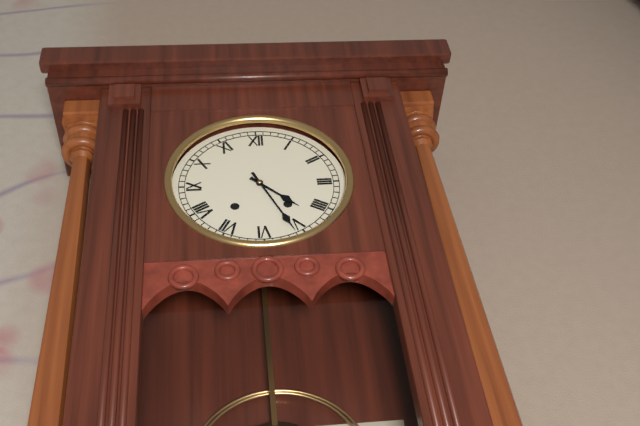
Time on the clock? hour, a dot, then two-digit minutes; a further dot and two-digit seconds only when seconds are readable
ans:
4.26
